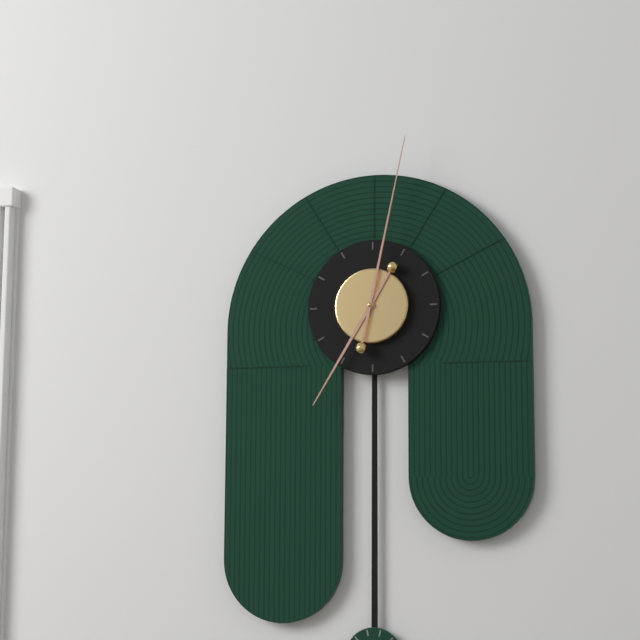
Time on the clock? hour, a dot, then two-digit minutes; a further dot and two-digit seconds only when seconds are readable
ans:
7.02
